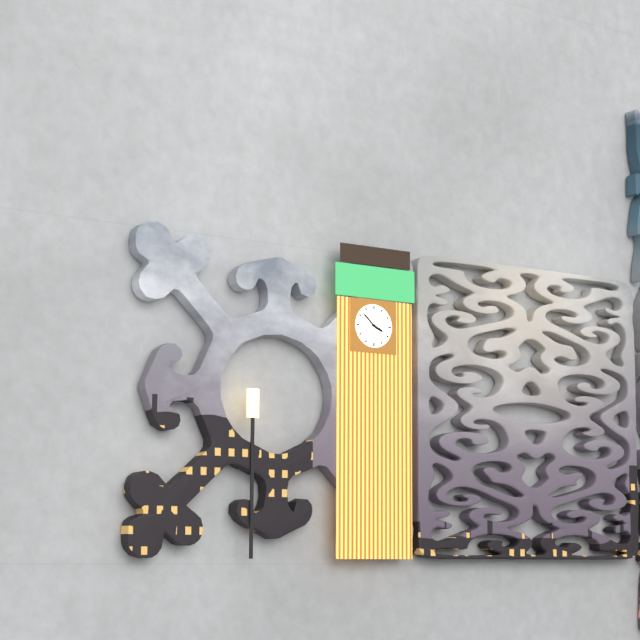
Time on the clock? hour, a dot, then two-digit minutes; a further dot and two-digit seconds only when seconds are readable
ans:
3.52
